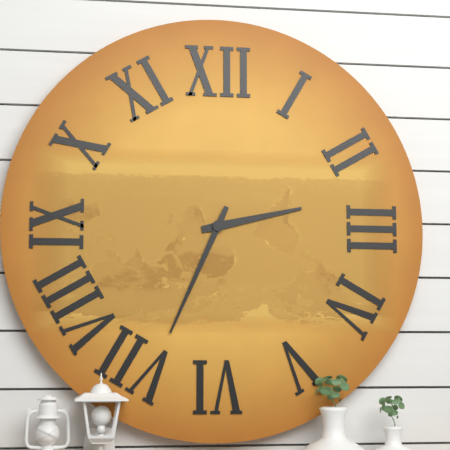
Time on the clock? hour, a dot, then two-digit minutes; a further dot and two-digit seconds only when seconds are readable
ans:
2.34
